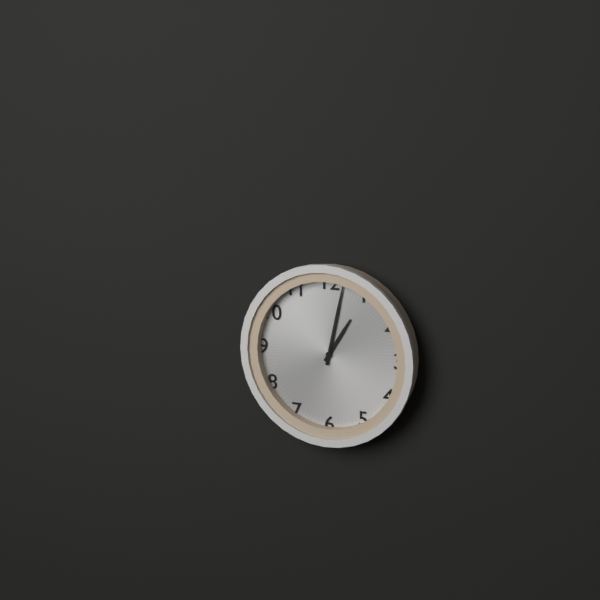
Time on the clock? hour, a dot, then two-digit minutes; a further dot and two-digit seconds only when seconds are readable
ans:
1.02
